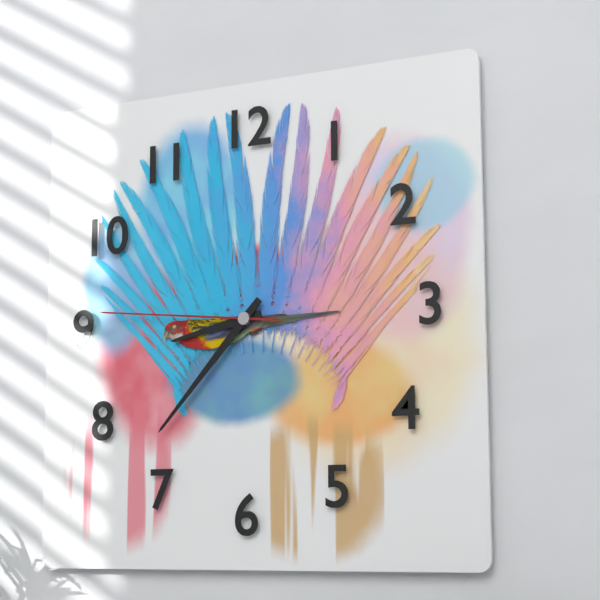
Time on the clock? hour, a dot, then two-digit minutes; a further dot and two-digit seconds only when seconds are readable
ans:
8.37.46
